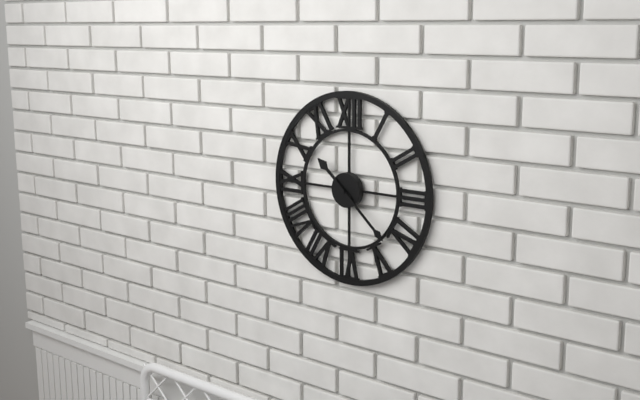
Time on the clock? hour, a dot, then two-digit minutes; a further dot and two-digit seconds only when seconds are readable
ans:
10.22
